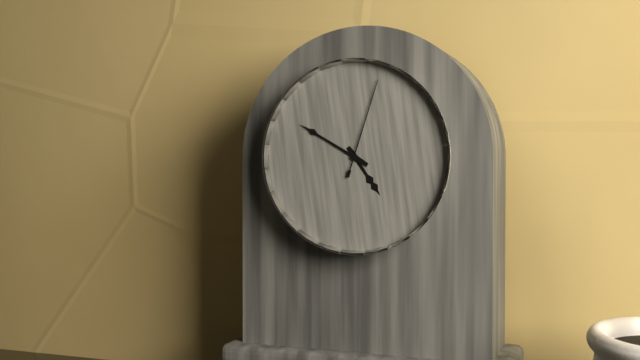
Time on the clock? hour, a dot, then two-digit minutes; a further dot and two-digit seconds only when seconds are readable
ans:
4.50.03
